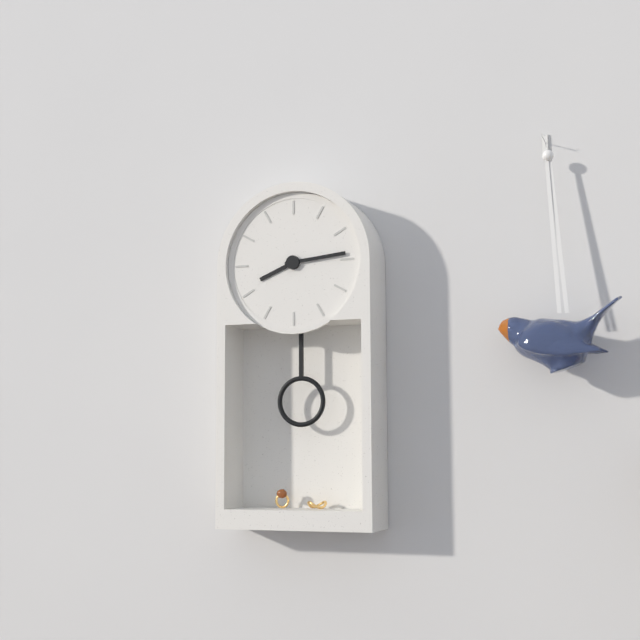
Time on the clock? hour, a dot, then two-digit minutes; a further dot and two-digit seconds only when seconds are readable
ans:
8.14
